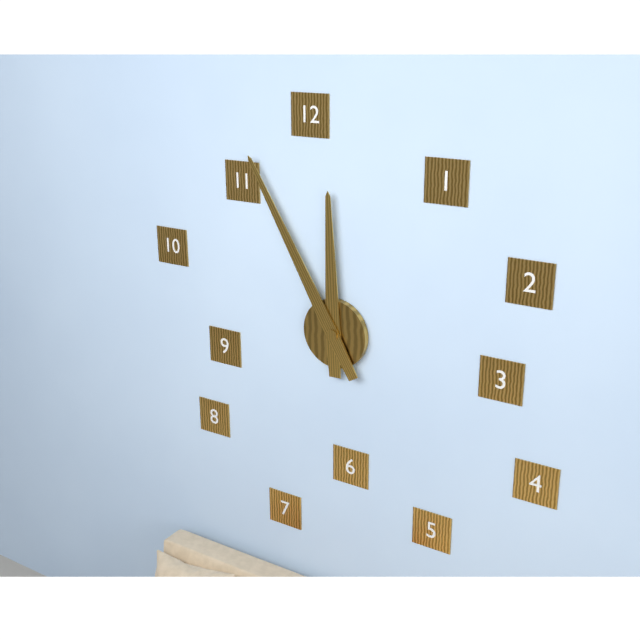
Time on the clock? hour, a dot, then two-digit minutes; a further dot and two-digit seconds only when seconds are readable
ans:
11.55
